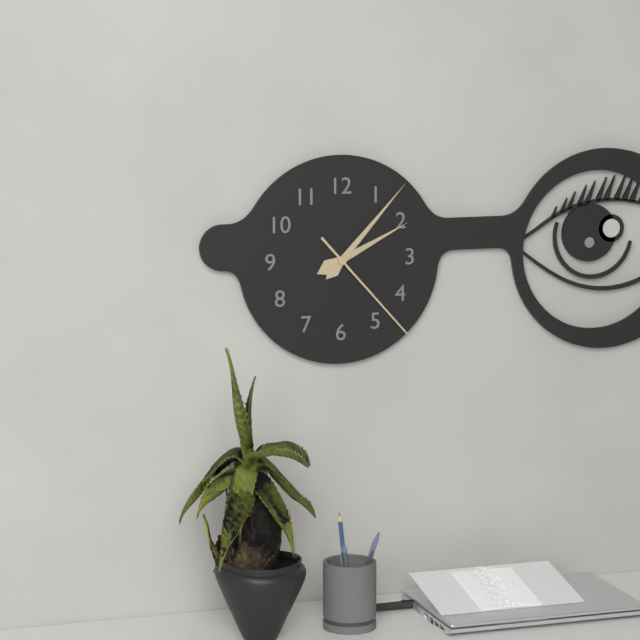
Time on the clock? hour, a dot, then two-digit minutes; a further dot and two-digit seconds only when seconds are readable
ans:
2.07.23
